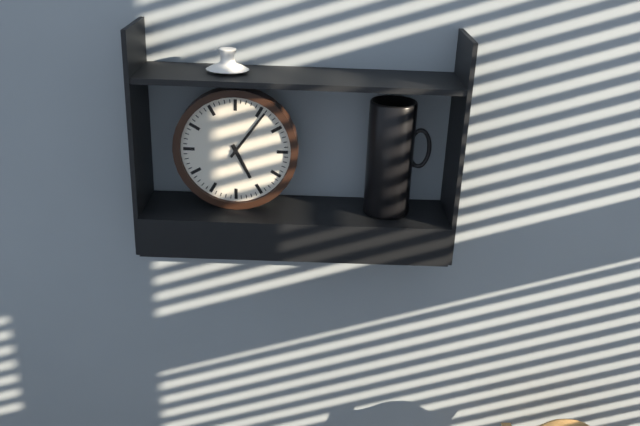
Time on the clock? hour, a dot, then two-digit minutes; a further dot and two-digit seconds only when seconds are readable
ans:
5.06
